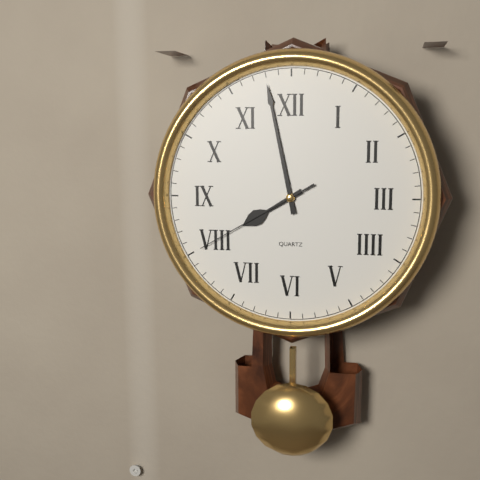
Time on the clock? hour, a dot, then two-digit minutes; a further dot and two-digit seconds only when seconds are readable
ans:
7.58.40
